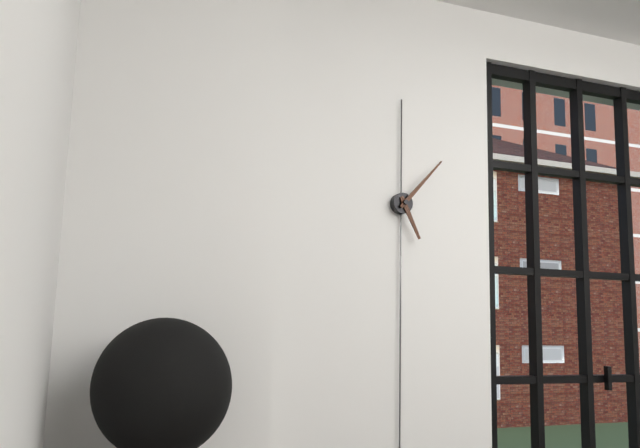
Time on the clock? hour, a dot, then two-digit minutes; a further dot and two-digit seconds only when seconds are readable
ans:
5.07
